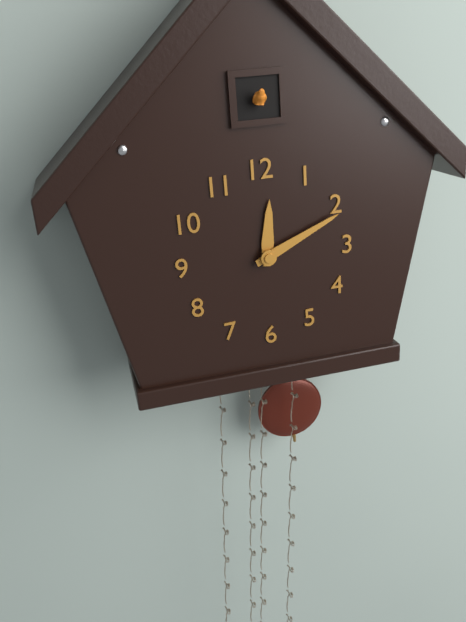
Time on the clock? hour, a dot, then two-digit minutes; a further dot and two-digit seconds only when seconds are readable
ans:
12.11
